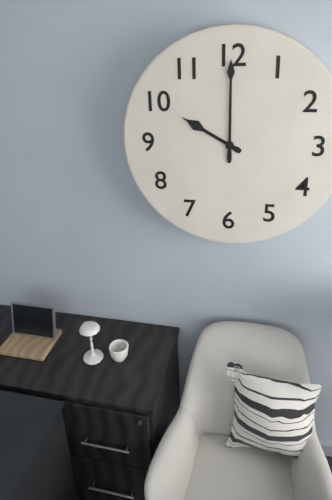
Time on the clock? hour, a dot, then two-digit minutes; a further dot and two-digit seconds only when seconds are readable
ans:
10.00
